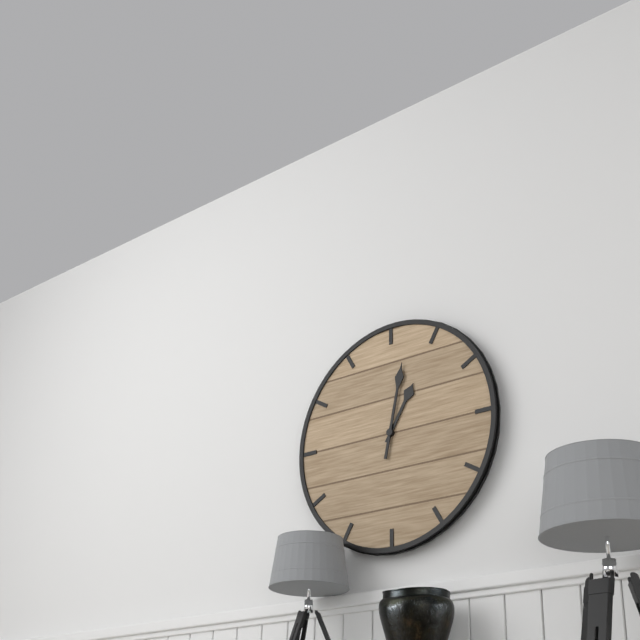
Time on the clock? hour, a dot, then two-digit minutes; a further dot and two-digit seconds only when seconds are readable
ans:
1.02
